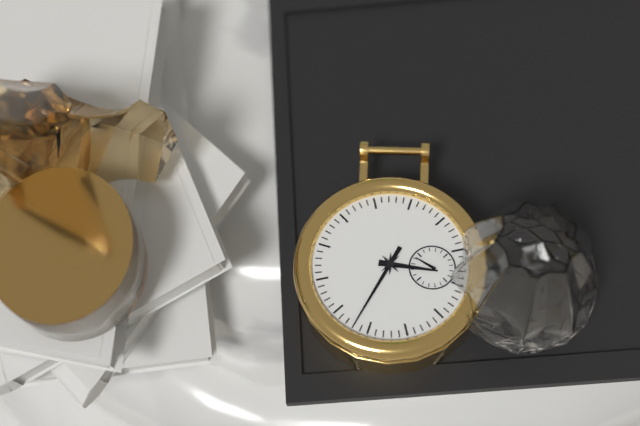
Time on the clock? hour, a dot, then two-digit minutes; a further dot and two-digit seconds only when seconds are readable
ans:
4.42
